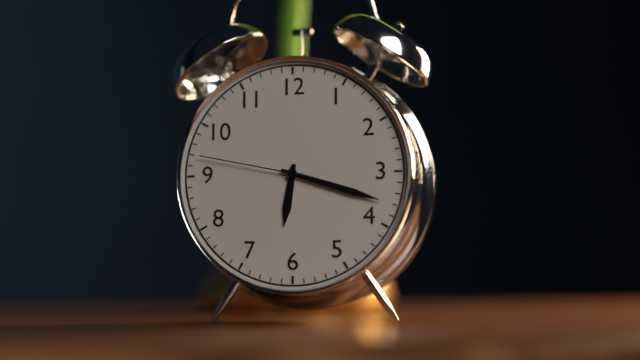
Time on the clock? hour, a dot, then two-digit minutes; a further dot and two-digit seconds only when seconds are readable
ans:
6.18.47
